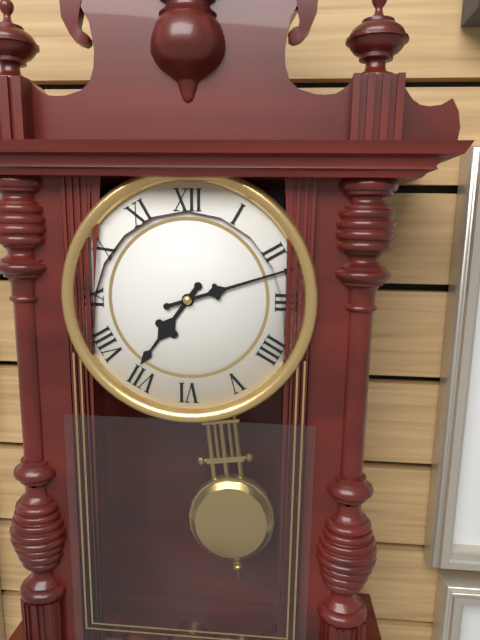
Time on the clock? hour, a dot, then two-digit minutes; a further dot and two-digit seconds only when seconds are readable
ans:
7.12
